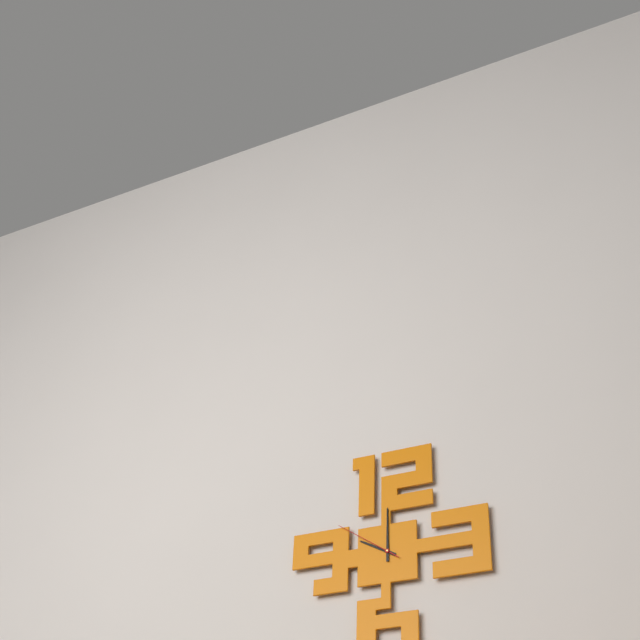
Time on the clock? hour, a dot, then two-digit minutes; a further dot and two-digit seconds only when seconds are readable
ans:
10.00.51
